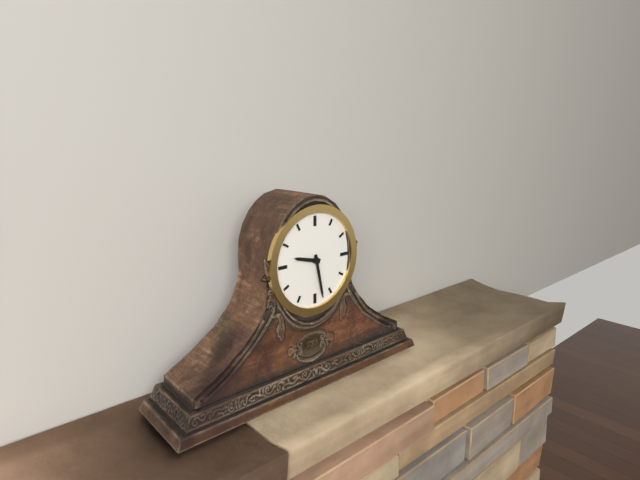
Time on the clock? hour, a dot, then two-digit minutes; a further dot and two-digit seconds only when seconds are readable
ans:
9.28
